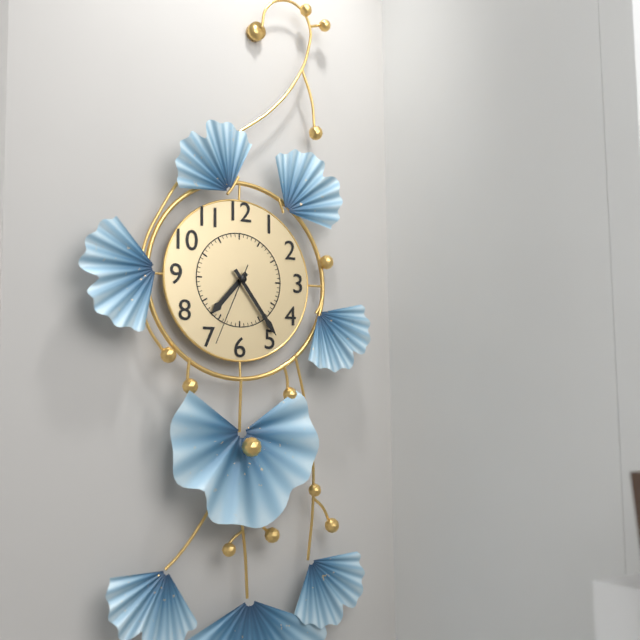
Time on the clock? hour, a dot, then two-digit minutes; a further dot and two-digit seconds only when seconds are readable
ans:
7.24.34
